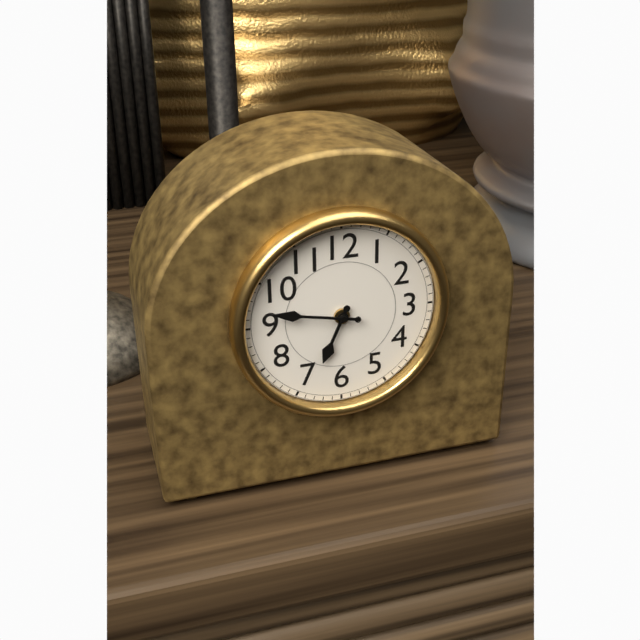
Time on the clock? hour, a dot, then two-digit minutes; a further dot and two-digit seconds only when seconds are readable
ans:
6.47
